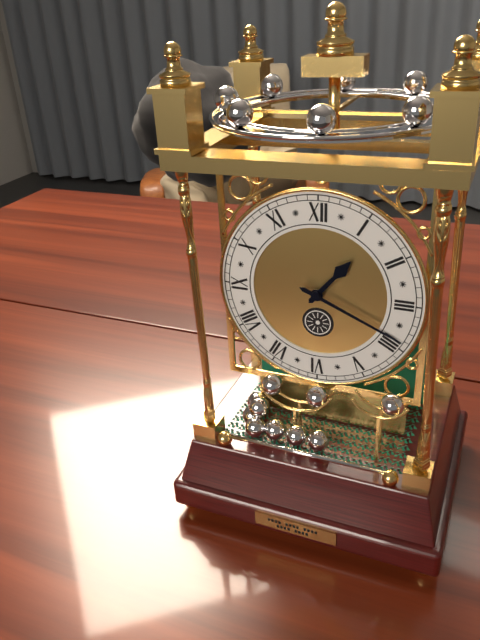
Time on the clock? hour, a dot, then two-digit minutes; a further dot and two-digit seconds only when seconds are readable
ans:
1.19
